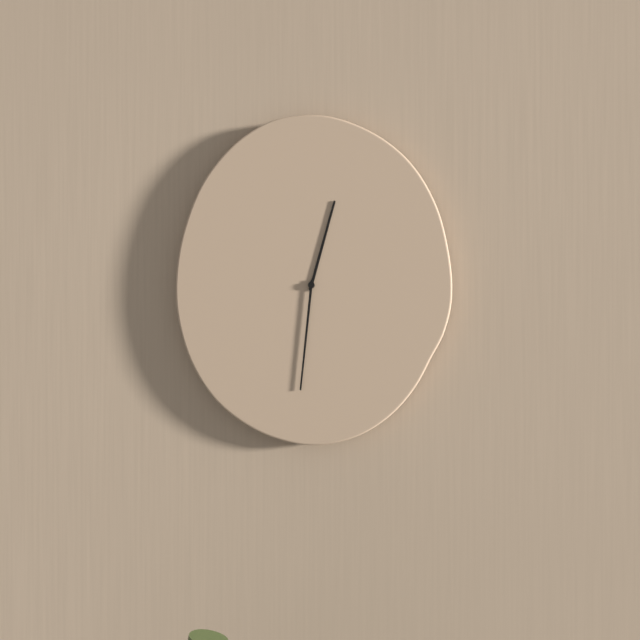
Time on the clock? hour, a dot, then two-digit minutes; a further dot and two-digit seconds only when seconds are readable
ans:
12.31
